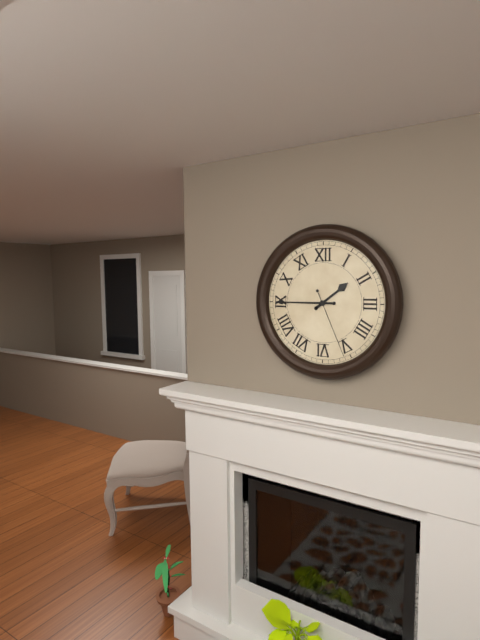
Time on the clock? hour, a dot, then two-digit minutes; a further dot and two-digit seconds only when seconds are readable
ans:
1.45.26
